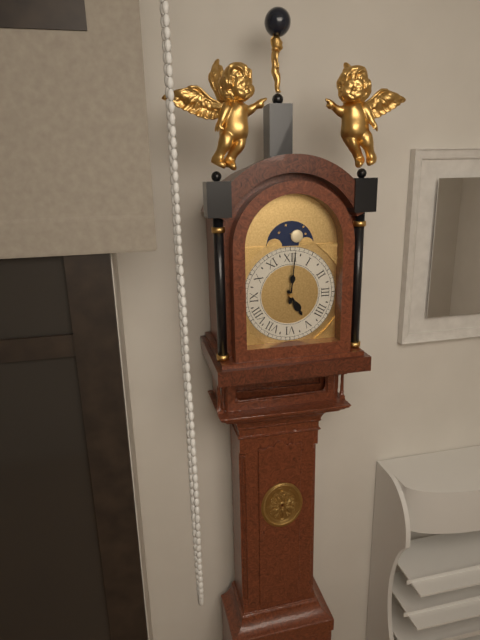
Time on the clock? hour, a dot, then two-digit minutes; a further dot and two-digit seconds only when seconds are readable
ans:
5.01
